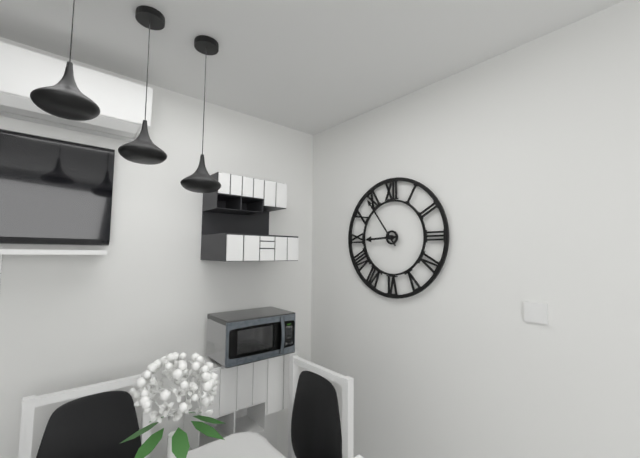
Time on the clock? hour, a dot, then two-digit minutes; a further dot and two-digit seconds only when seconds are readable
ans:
8.54
